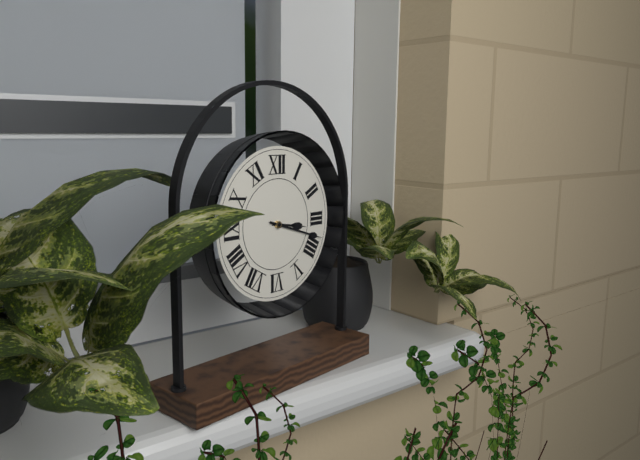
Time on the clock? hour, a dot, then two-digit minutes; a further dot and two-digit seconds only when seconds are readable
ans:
3.18
